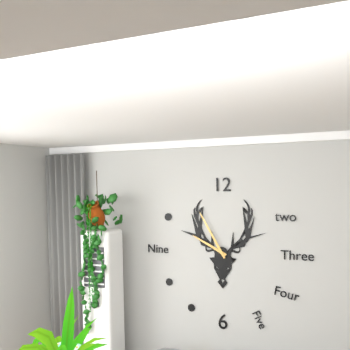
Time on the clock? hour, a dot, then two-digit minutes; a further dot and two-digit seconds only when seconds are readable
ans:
9.55
